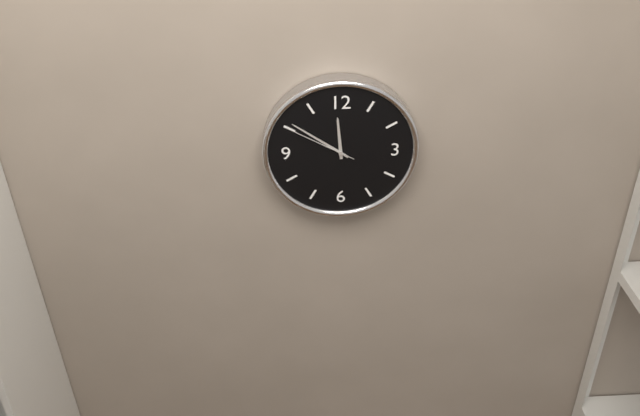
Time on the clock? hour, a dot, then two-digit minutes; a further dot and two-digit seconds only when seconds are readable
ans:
11.51.50
